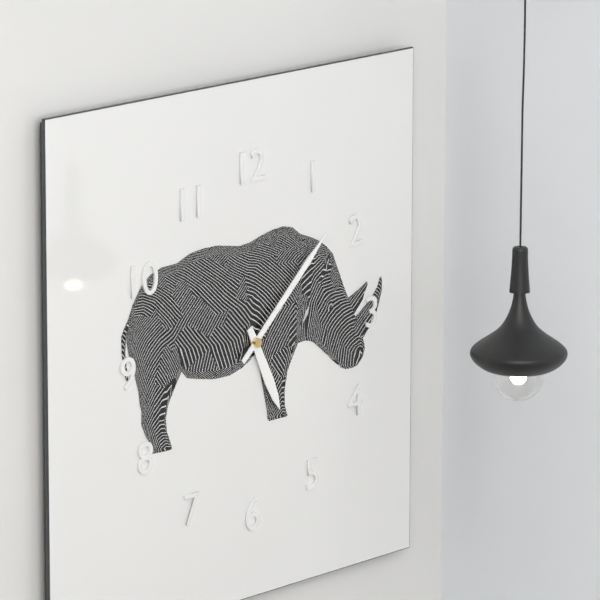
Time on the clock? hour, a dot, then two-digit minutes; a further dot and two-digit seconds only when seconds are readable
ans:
5.08
